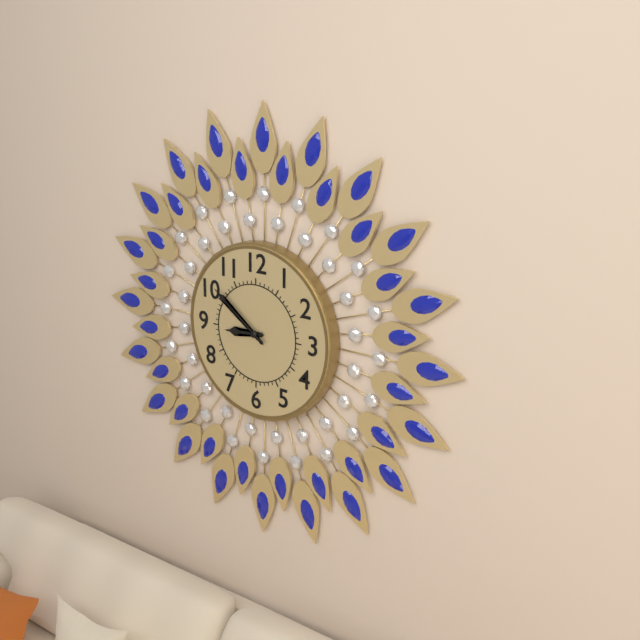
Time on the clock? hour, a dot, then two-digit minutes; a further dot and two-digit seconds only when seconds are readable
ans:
8.51
